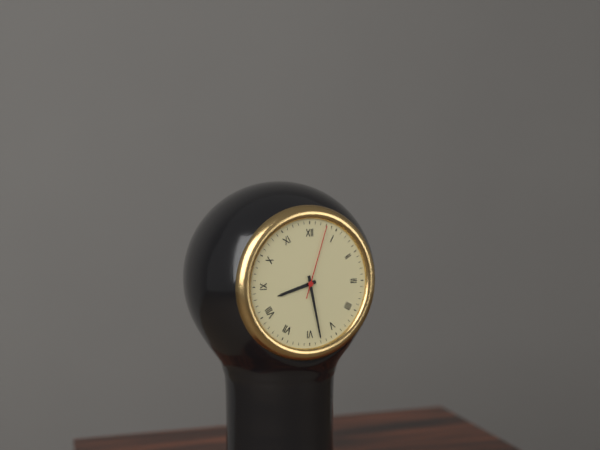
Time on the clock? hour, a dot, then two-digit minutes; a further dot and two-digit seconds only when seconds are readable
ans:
8.28.03
